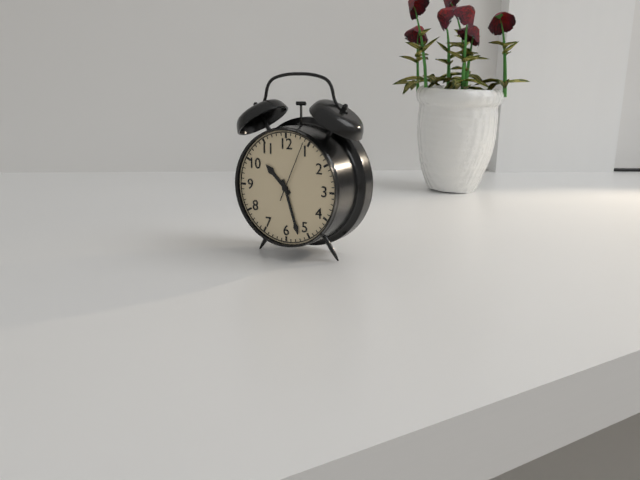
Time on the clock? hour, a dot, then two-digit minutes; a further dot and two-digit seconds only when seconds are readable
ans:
10.27.04
